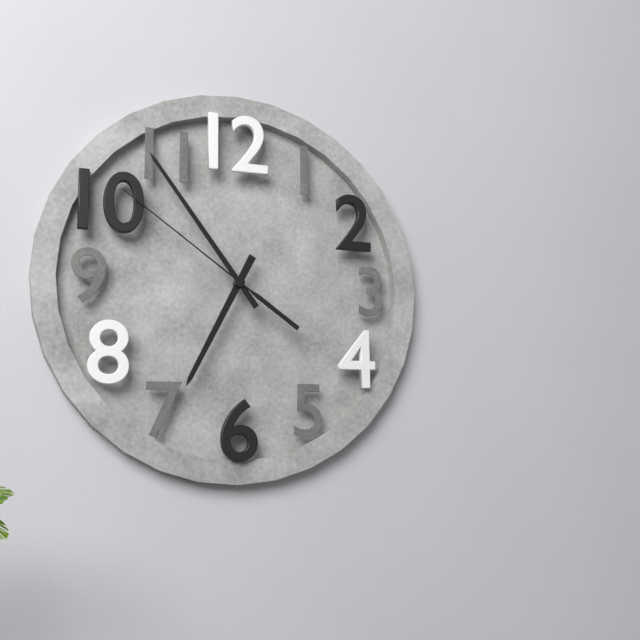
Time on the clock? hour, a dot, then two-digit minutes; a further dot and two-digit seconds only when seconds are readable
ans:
6.54.51
